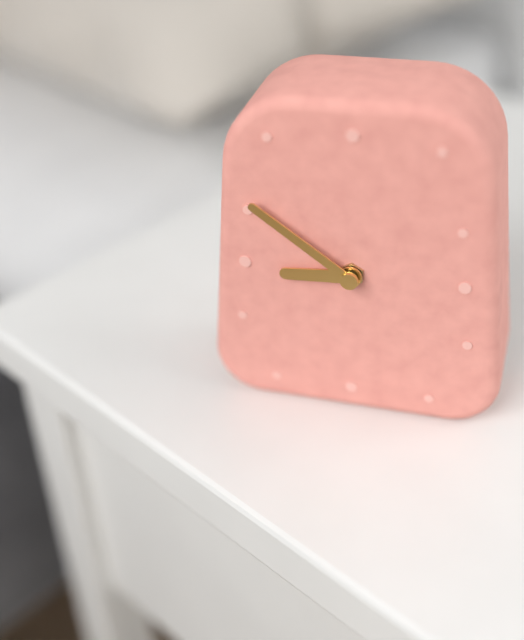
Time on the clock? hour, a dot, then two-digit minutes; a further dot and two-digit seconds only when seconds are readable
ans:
8.51
